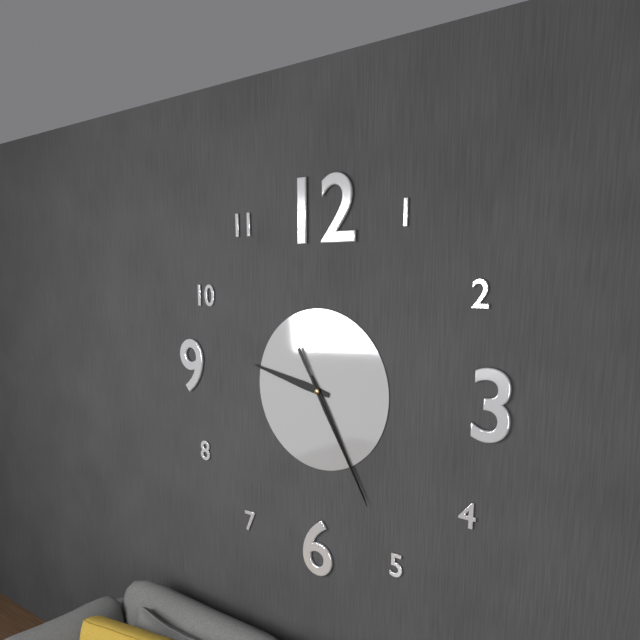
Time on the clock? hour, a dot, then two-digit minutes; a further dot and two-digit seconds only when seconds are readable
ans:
9.25.25
